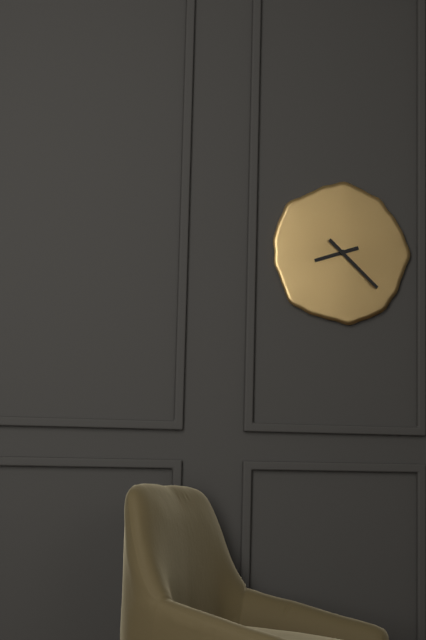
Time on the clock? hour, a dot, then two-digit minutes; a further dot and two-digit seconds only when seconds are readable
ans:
8.22
